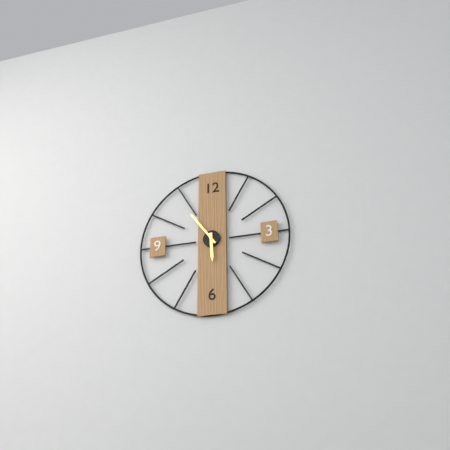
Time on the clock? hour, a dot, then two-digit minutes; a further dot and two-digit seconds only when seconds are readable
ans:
5.54
